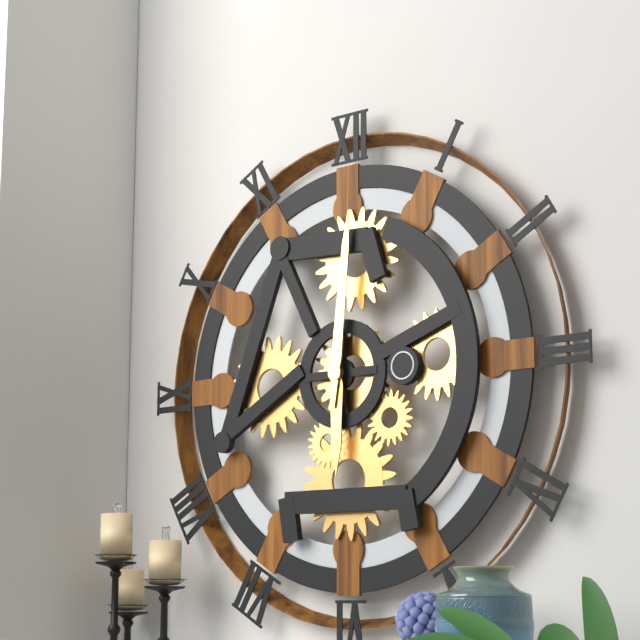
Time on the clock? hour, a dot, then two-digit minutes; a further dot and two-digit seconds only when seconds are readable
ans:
6.01
